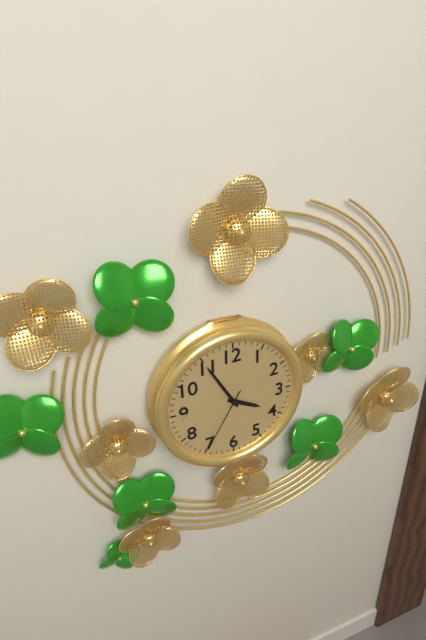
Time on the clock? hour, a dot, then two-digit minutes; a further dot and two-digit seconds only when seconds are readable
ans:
3.55.35
